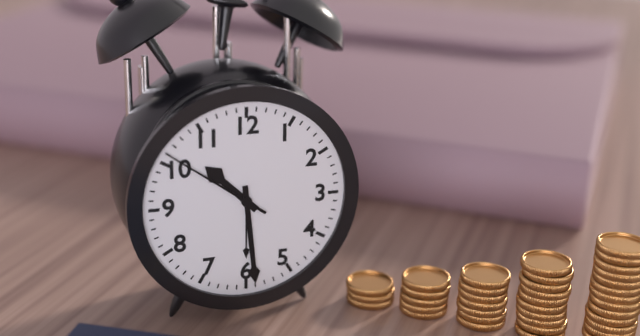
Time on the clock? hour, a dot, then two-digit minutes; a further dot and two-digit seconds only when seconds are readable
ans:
10.29.51
